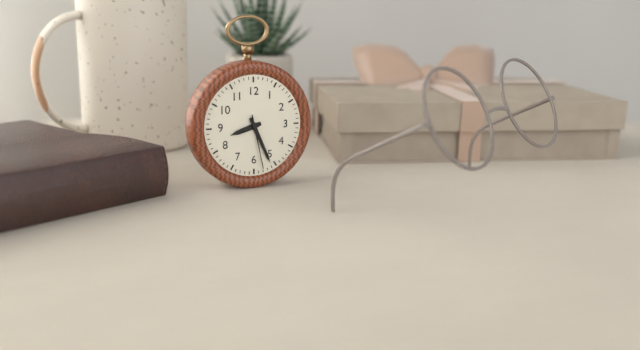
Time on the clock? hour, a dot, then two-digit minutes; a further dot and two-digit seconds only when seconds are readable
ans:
8.26.28
